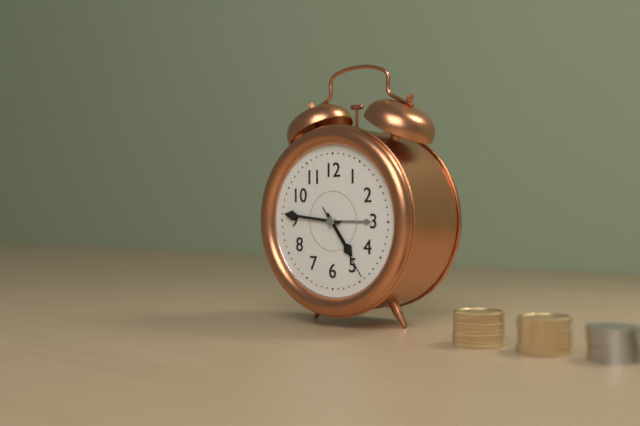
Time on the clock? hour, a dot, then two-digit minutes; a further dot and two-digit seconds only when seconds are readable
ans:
4.46.24
